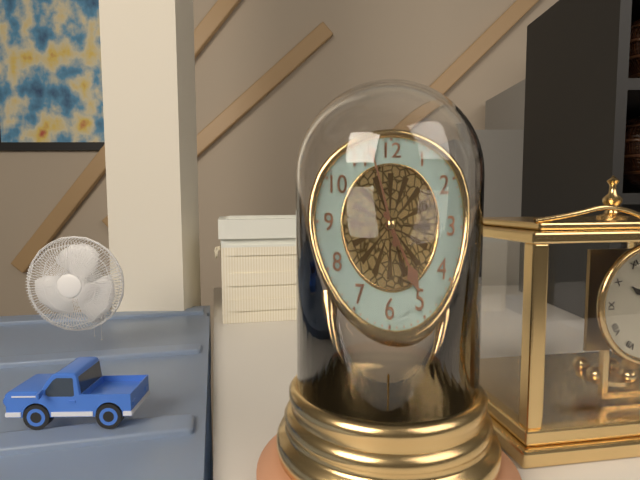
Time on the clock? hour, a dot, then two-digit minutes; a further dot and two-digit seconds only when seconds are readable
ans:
4.57
